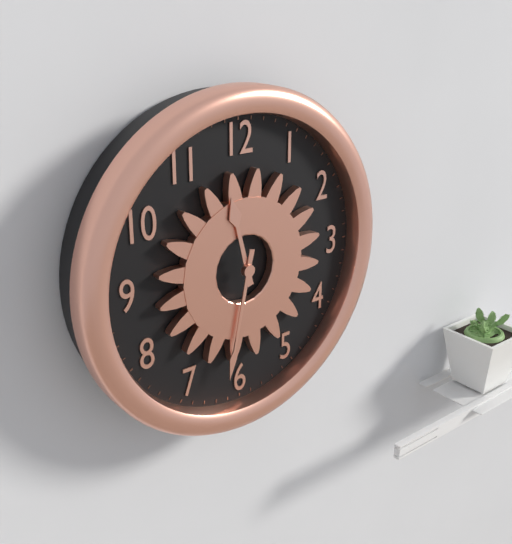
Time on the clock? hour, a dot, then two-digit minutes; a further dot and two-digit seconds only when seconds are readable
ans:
11.32
